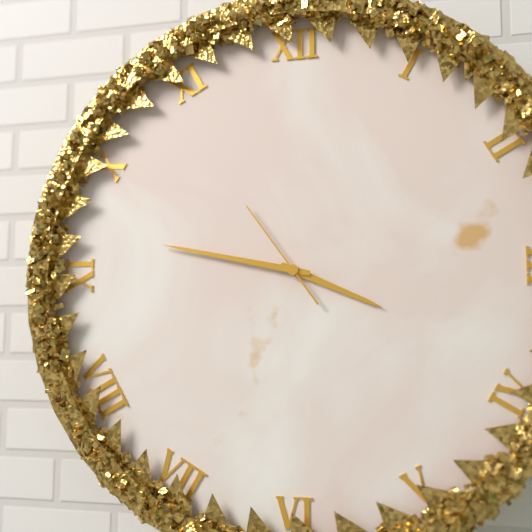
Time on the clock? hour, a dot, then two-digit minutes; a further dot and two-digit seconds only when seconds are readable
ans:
3.47.54
